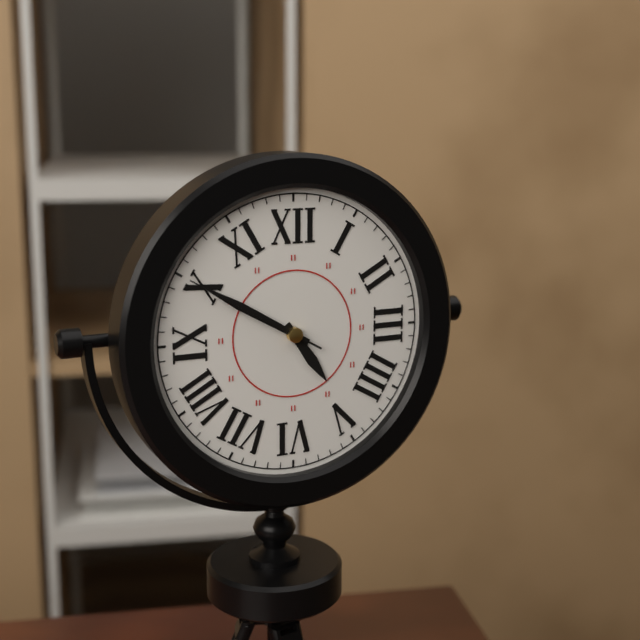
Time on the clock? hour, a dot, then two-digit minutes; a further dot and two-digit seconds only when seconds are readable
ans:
4.50.50
